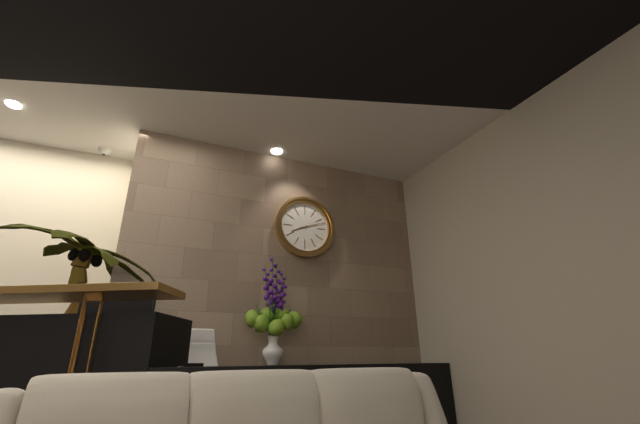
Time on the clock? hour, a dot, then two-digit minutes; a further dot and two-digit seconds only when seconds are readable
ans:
8.12
